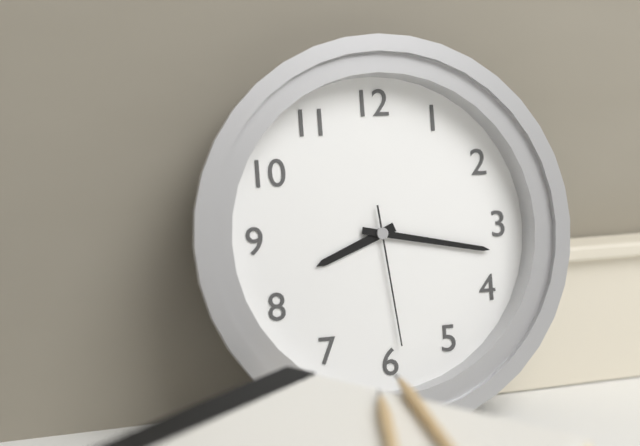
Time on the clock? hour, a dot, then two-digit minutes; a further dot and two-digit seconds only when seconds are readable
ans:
8.17.29
